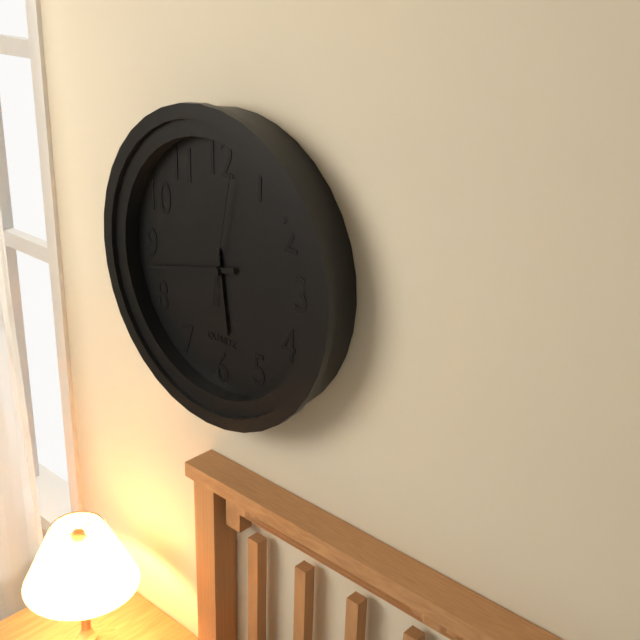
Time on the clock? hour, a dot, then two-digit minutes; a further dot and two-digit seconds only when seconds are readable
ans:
5.43.02
